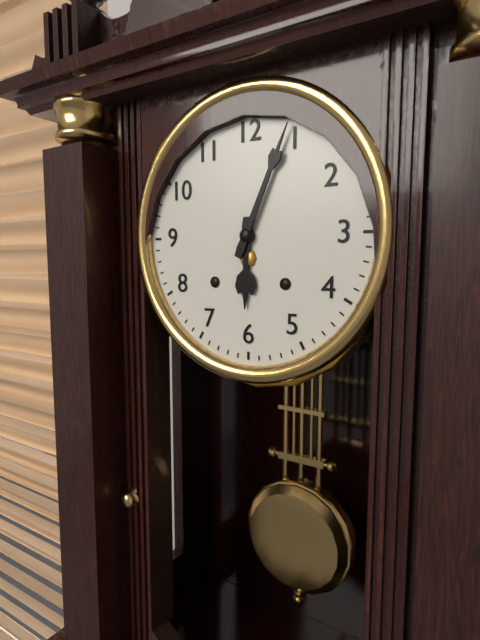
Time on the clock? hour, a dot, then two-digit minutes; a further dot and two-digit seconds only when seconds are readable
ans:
6.04
